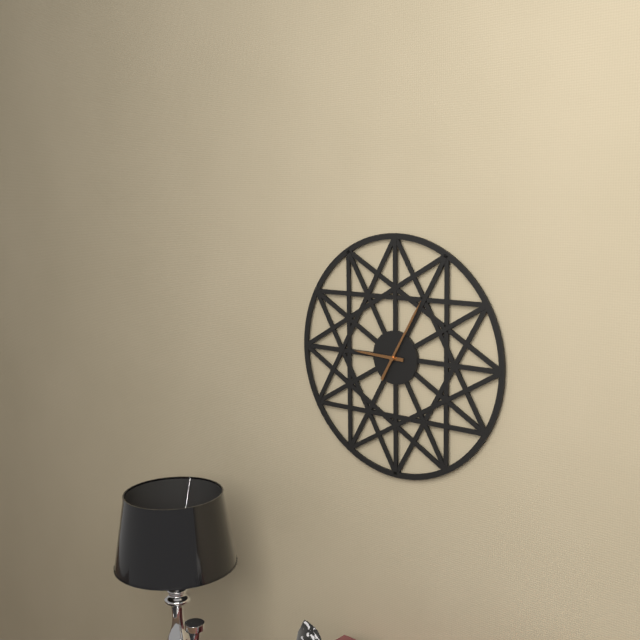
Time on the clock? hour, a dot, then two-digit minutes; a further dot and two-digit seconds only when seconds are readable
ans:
9.05
